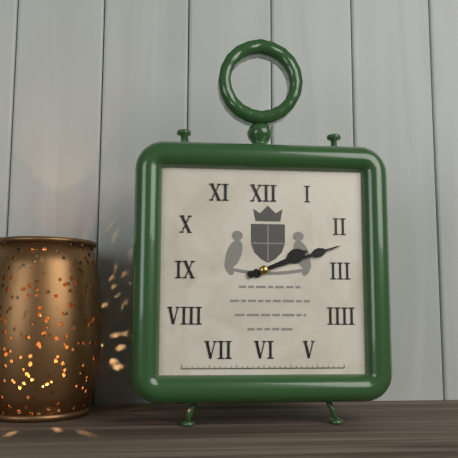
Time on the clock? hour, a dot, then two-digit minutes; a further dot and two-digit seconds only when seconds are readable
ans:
2.12
